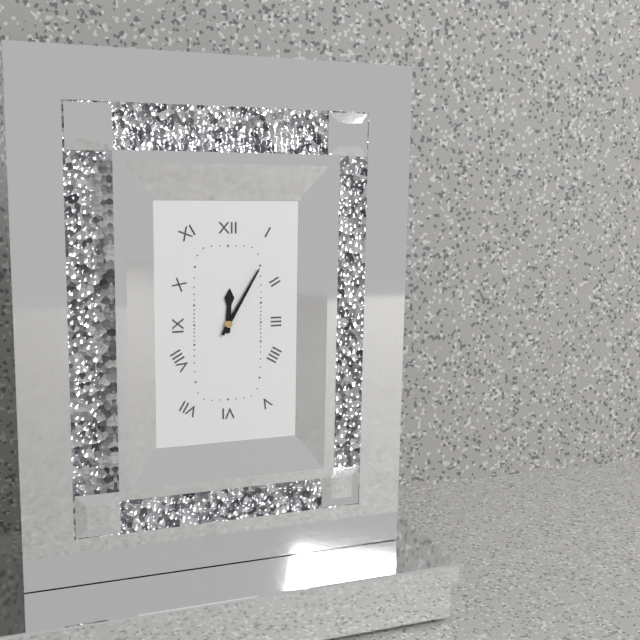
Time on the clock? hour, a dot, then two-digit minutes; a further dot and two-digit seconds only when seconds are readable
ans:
12.05
